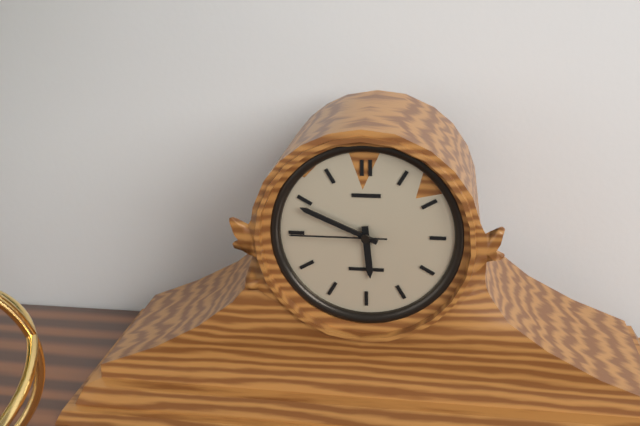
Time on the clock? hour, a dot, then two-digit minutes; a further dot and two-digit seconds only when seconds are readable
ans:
5.49.45
